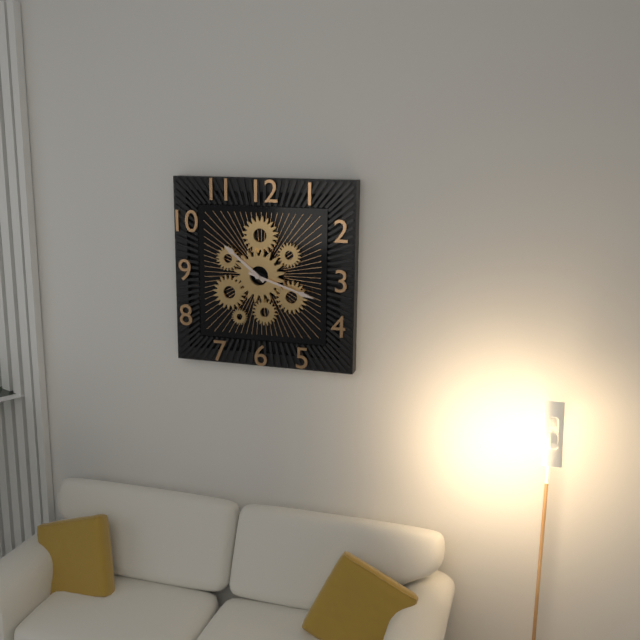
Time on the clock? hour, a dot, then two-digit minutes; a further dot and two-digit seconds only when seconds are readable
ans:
10.18
